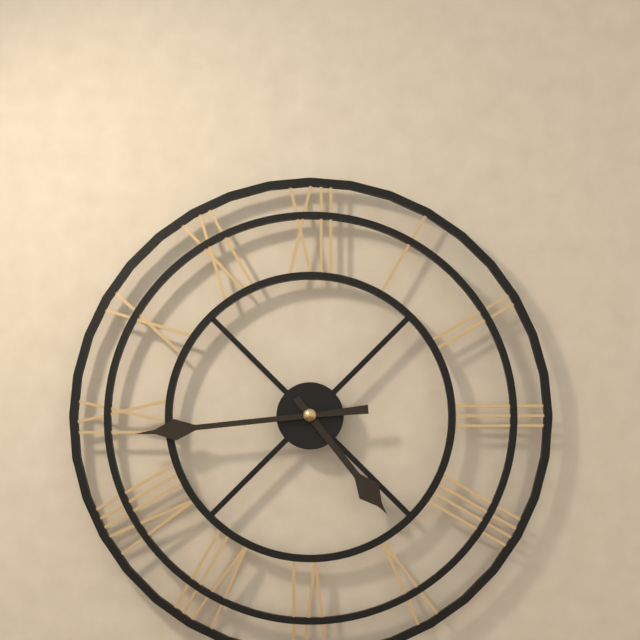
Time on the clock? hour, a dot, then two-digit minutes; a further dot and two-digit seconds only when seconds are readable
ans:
4.44
